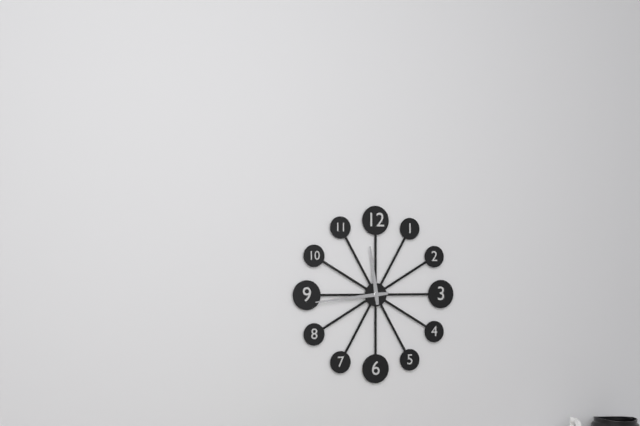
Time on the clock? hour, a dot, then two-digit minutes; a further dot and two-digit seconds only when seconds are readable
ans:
11.44
